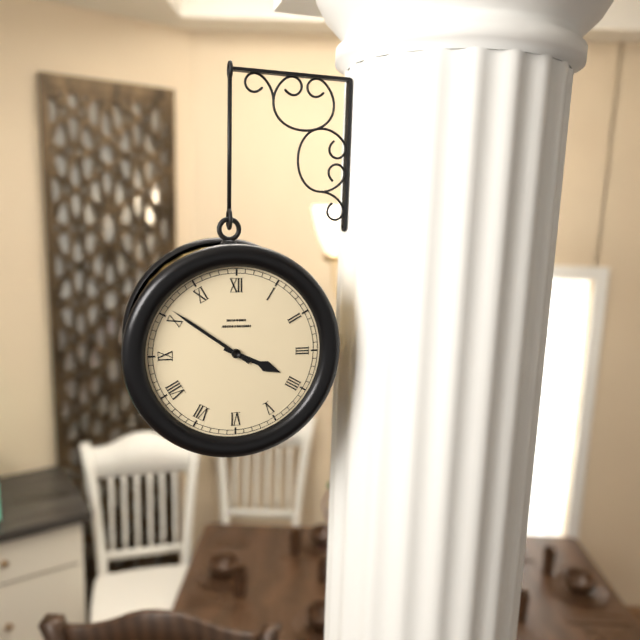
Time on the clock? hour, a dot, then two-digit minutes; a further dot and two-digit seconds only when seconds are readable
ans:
3.51
